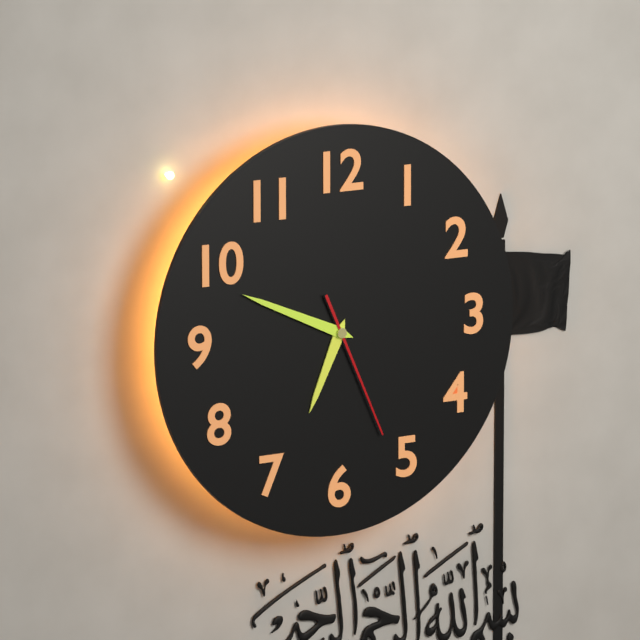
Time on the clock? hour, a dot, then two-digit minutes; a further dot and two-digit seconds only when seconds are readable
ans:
6.49.26
